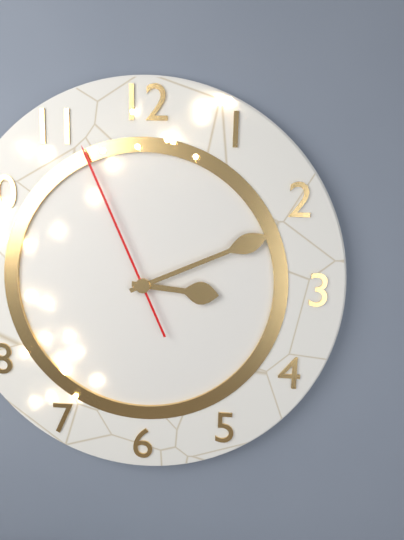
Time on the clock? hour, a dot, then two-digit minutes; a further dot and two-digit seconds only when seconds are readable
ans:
3.11.56
